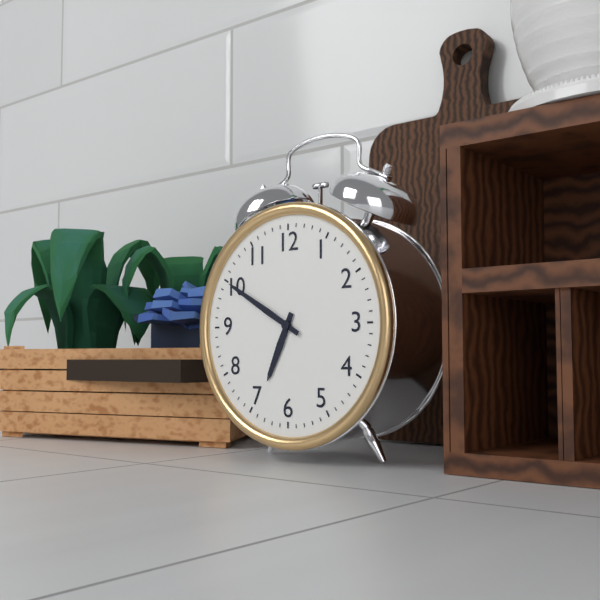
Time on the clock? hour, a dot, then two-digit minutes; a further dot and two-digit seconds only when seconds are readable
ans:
6.50
